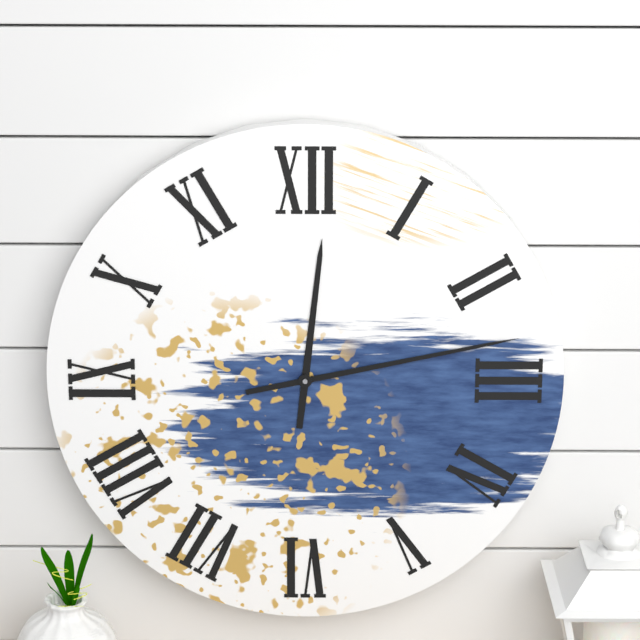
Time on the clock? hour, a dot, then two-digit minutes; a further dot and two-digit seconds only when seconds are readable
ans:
12.13
